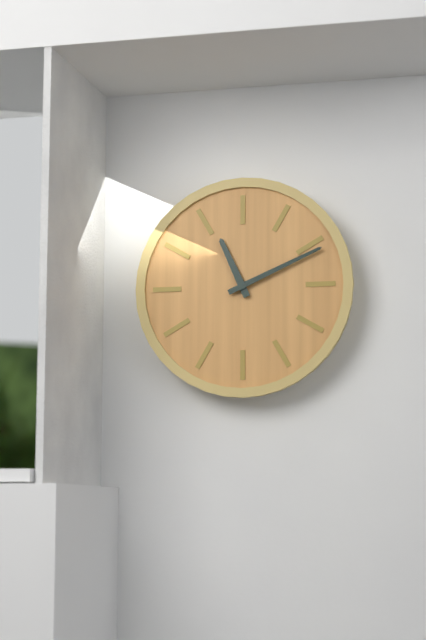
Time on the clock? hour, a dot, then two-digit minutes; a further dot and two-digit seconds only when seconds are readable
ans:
11.11
